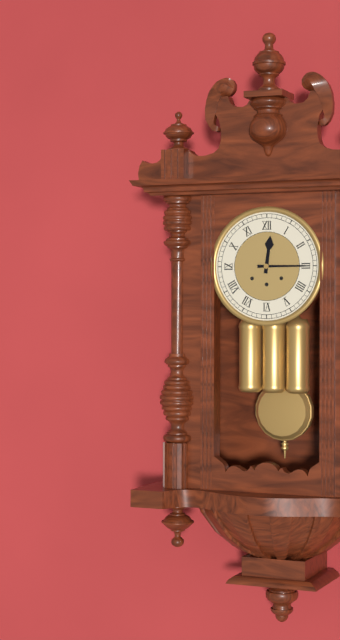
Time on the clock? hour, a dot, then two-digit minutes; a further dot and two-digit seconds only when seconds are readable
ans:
12.15
